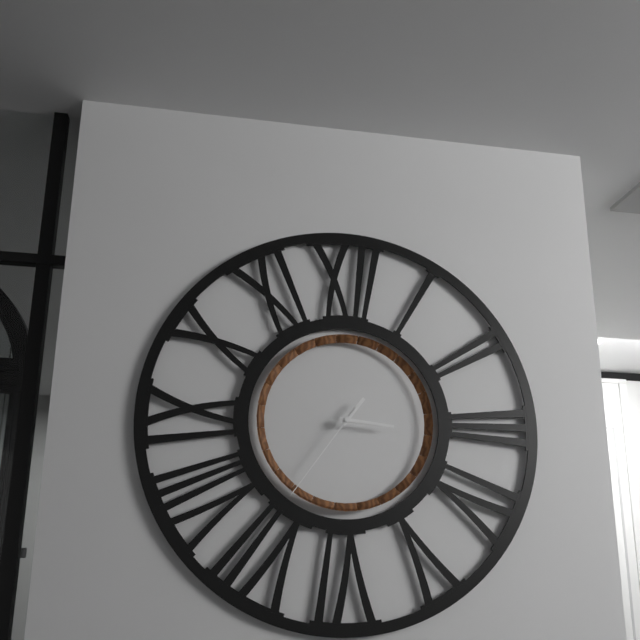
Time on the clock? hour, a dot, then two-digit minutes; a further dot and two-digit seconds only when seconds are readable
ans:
1.16.36
